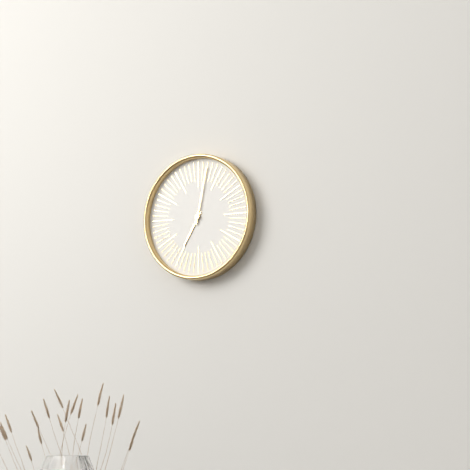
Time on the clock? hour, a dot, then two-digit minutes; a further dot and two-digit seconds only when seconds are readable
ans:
7.02
